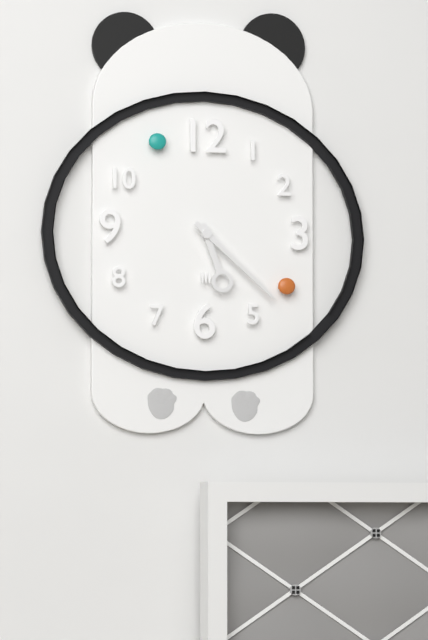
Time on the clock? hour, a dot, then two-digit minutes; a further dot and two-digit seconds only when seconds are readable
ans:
5.22
